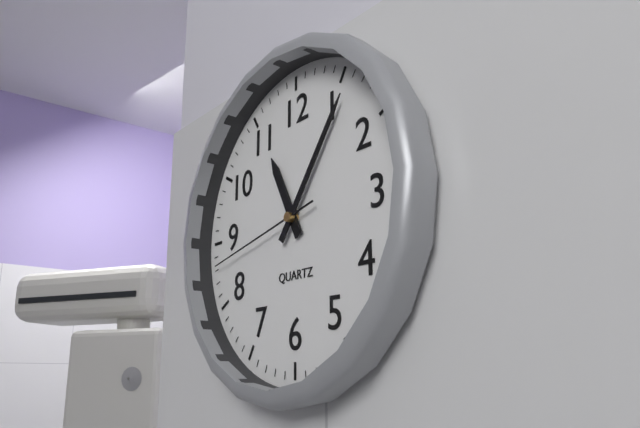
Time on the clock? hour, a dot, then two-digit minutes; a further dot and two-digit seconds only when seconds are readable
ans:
11.06.43
